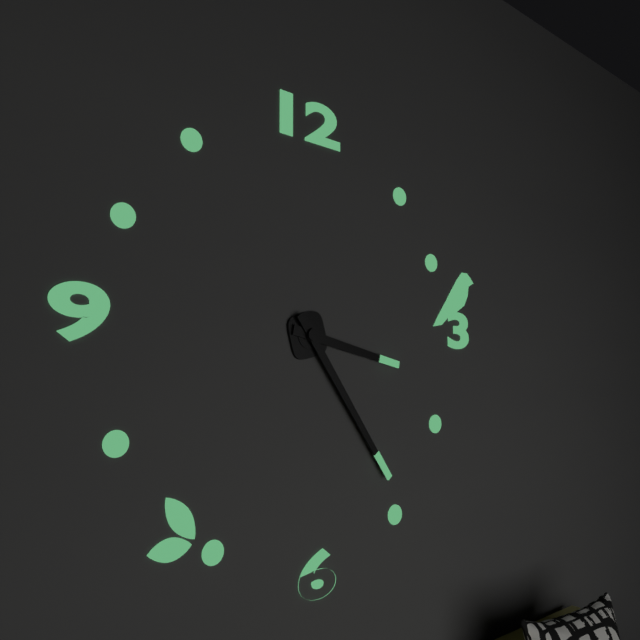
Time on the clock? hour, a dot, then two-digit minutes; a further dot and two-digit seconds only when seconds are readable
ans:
3.24
